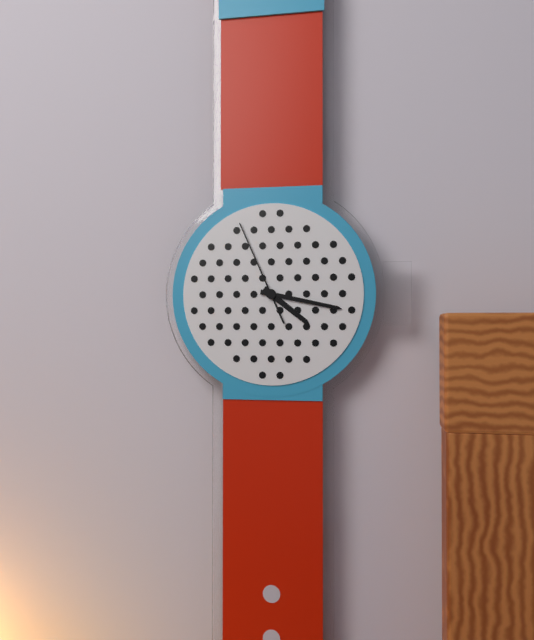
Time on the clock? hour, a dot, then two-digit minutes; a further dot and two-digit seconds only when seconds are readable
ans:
4.17.56
